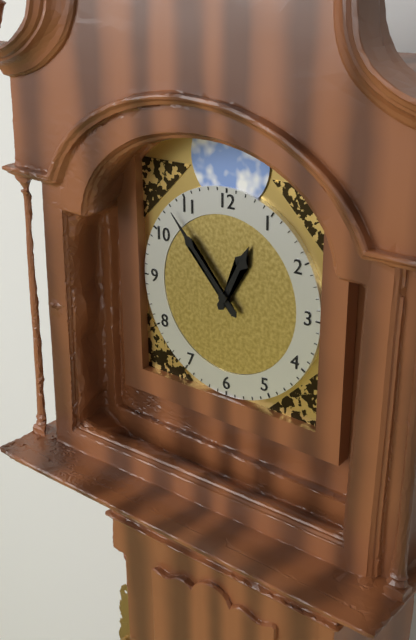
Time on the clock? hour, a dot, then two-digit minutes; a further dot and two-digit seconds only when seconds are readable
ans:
12.53
